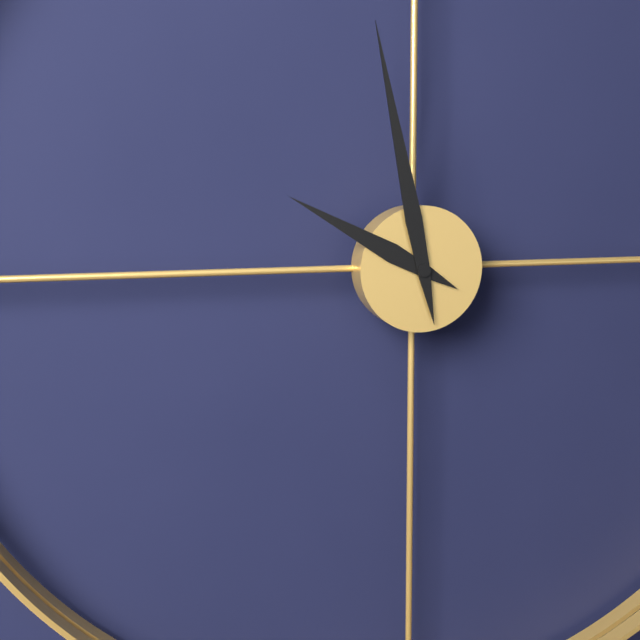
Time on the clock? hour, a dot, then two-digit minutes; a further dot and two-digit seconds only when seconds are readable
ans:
9.58
